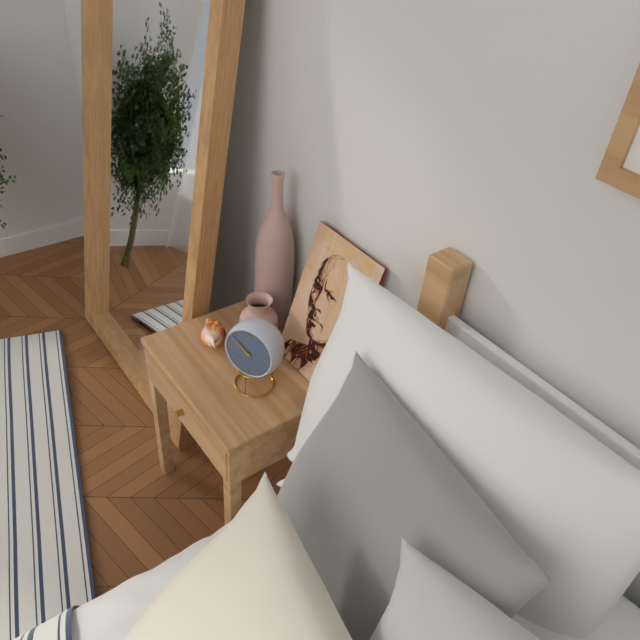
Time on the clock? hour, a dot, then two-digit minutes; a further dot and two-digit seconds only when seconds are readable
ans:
9.51
